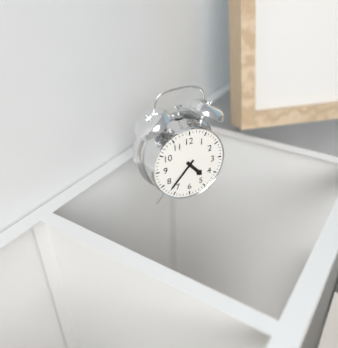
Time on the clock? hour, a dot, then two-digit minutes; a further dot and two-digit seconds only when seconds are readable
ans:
4.37
